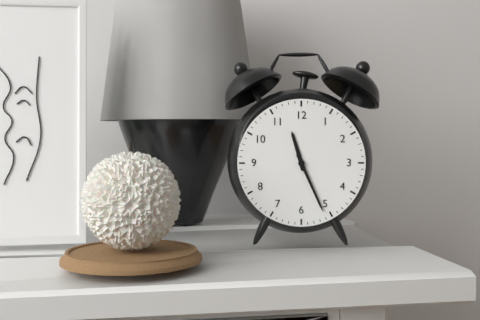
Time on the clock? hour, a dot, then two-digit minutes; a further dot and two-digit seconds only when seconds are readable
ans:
11.26
